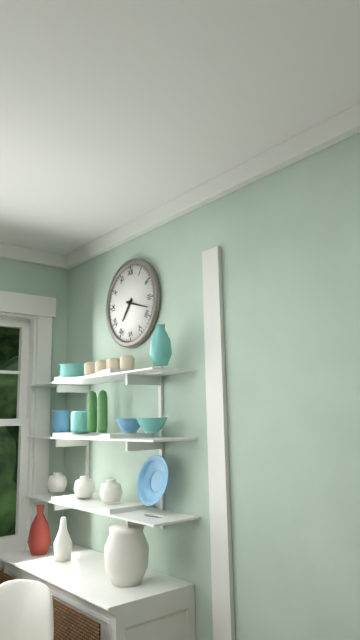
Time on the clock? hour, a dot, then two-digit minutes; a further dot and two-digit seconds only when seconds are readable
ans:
7.18
